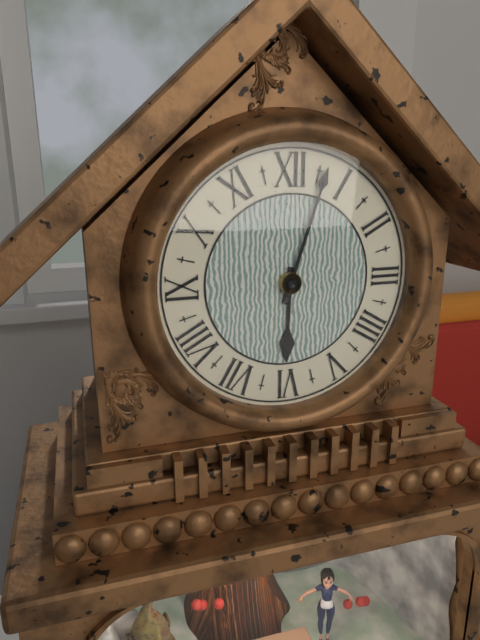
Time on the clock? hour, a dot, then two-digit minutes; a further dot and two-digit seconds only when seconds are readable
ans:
6.03
